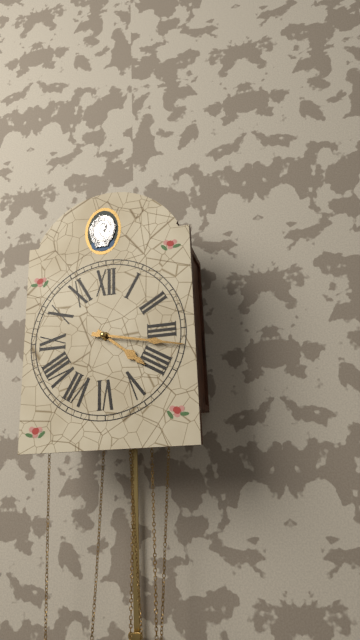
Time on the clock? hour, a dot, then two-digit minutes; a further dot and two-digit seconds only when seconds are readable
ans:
4.17
